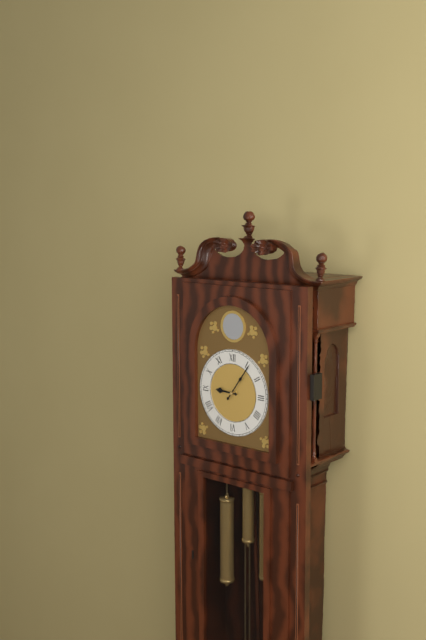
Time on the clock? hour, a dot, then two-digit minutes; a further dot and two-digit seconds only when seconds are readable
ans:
9.06
